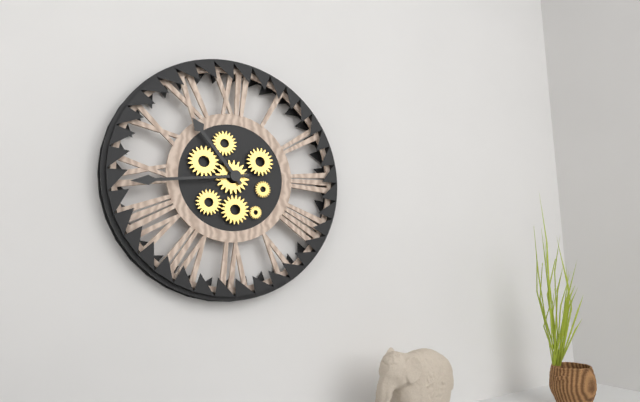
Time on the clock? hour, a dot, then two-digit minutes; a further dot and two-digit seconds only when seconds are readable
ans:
10.44
